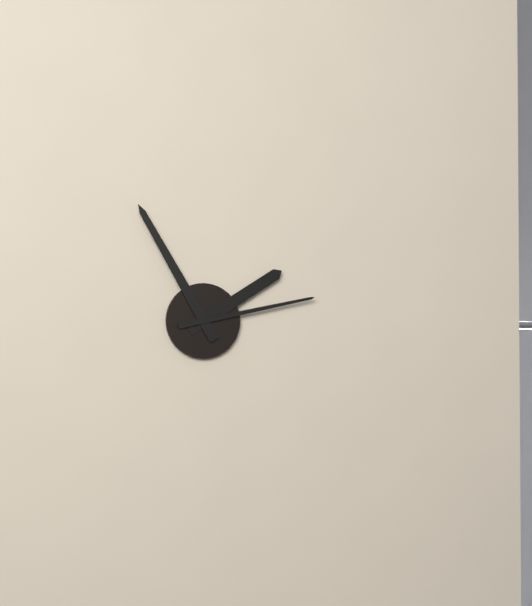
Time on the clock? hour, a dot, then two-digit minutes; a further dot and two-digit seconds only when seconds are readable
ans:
1.55.13
